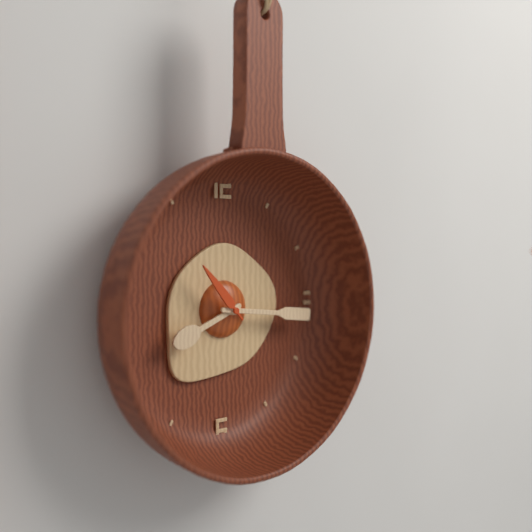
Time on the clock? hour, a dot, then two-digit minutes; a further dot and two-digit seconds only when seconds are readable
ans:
8.16.53
